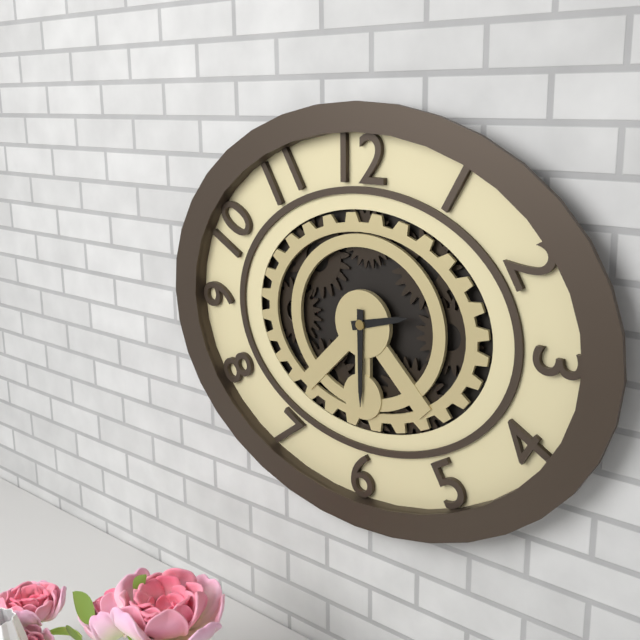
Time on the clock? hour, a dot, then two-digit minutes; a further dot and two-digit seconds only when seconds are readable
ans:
2.30
